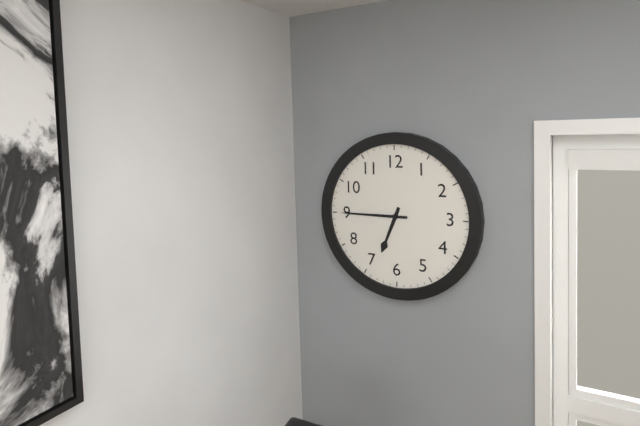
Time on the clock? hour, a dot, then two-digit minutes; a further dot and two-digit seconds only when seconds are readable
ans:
6.45
